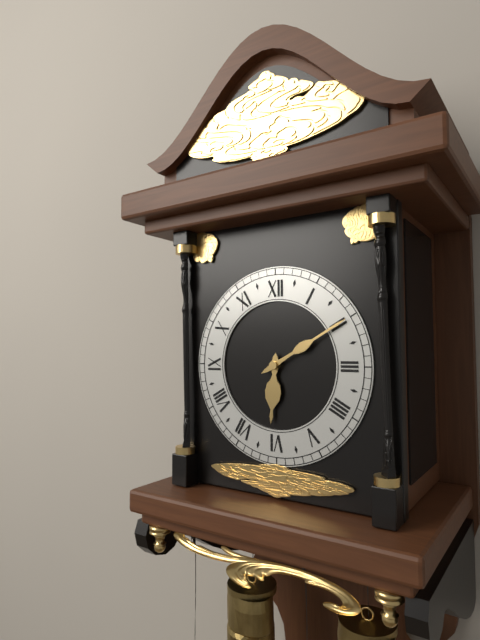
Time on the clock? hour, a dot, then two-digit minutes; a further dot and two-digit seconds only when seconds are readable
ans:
6.10
